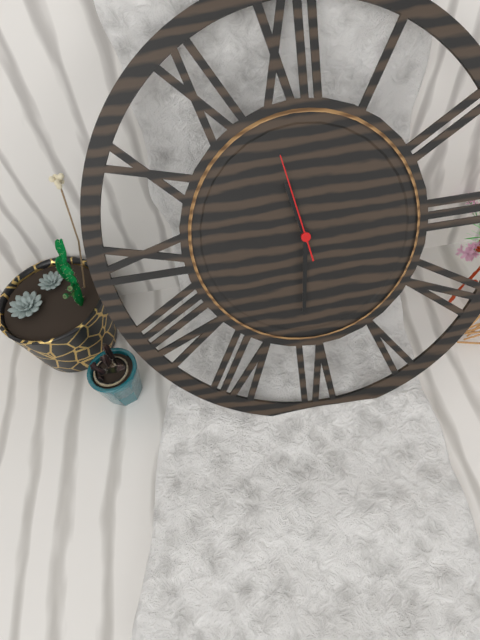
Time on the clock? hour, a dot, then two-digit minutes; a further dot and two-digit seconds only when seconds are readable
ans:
11.31.58
